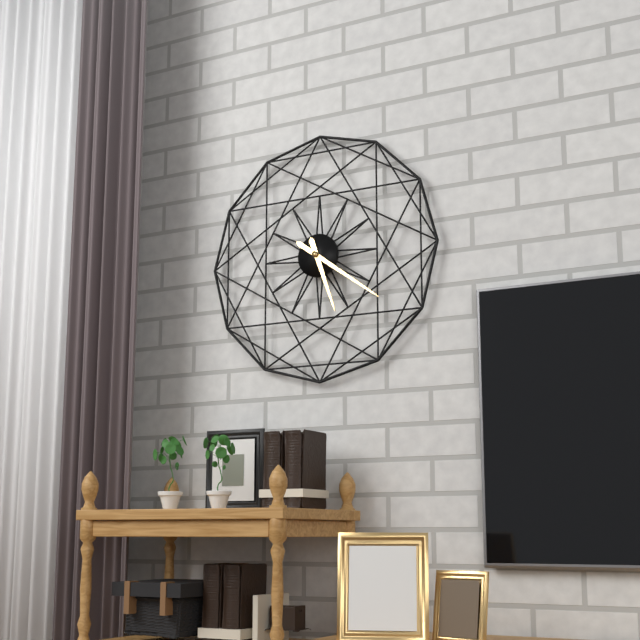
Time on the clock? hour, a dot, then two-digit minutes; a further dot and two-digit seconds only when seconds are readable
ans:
5.21
